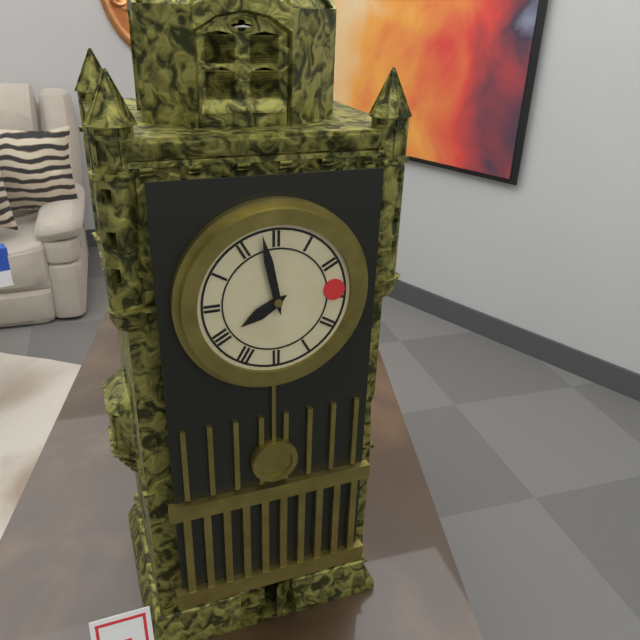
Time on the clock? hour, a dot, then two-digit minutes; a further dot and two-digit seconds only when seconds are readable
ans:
7.58
